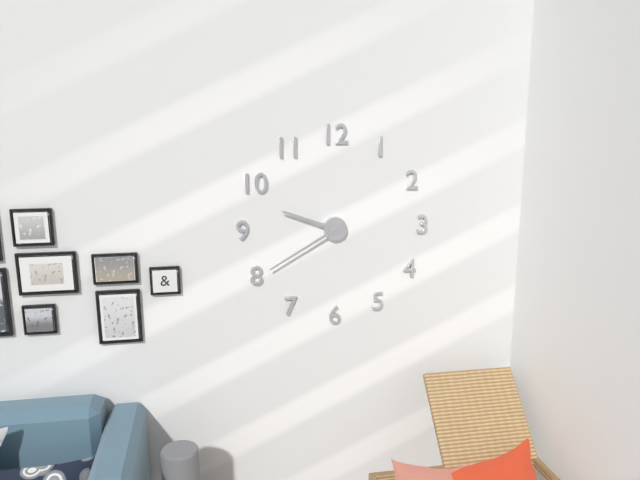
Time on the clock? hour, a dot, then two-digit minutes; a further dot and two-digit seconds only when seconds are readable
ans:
9.40
